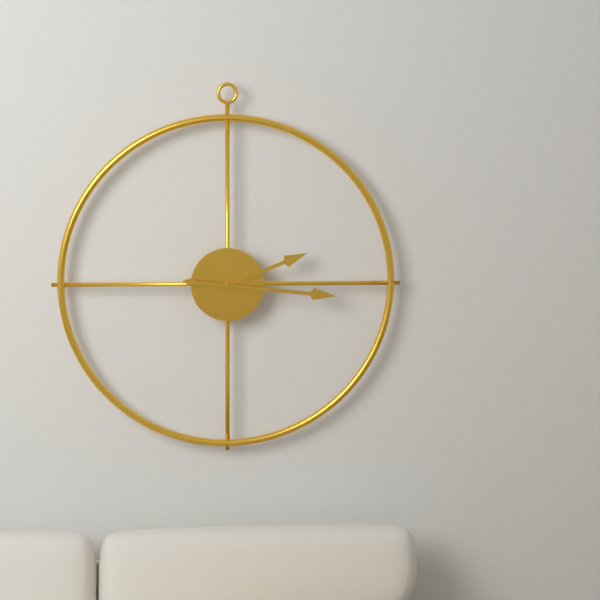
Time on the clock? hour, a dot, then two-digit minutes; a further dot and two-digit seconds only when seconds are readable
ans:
2.16
